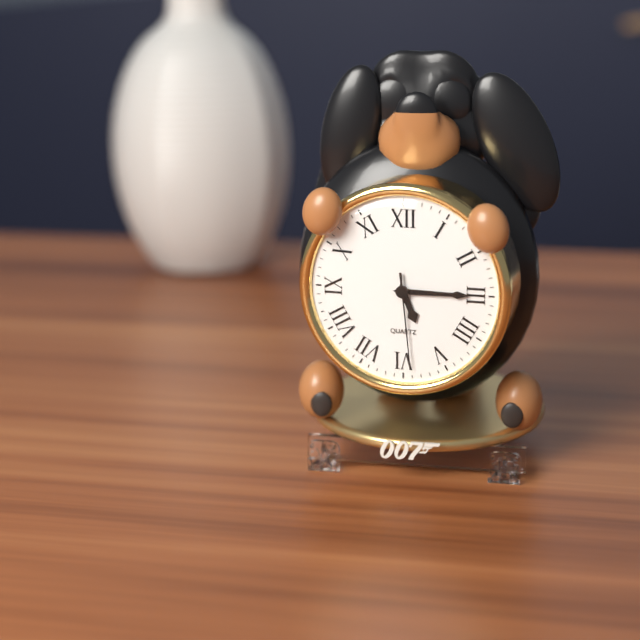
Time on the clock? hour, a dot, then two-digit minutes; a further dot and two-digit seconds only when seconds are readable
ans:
5.15.29
